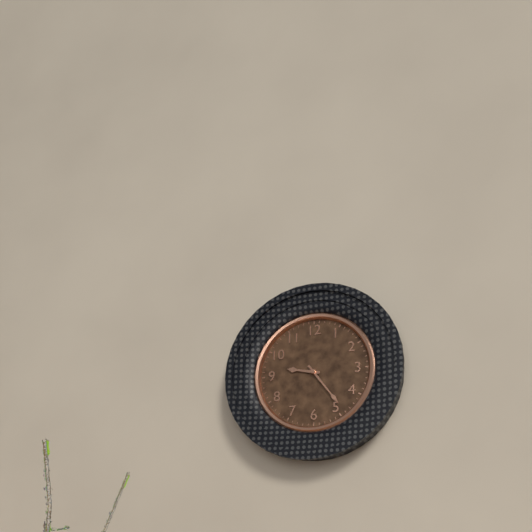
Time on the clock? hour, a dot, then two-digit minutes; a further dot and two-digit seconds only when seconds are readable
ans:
9.24
